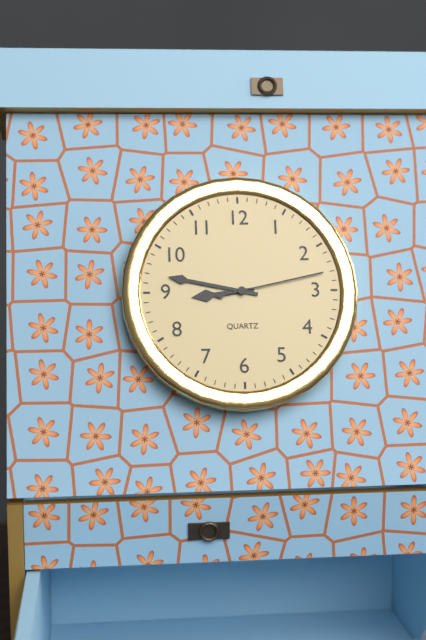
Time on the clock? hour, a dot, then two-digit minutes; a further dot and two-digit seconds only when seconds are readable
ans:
8.47.13
